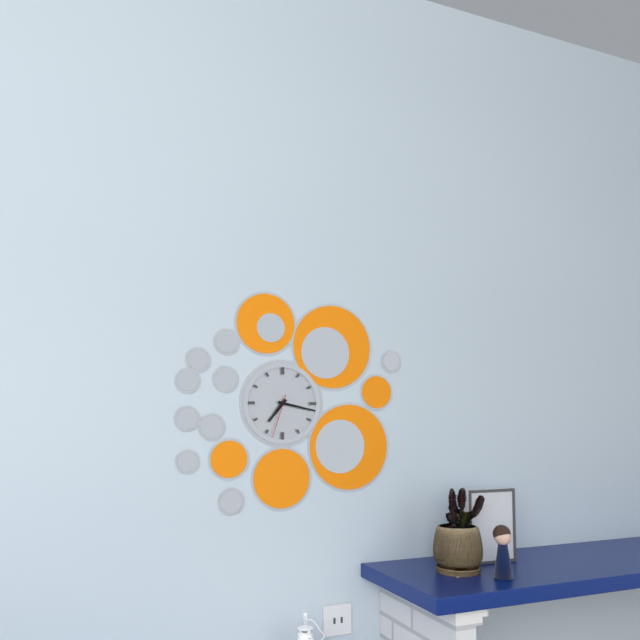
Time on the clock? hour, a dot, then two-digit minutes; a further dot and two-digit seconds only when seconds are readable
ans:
7.17
